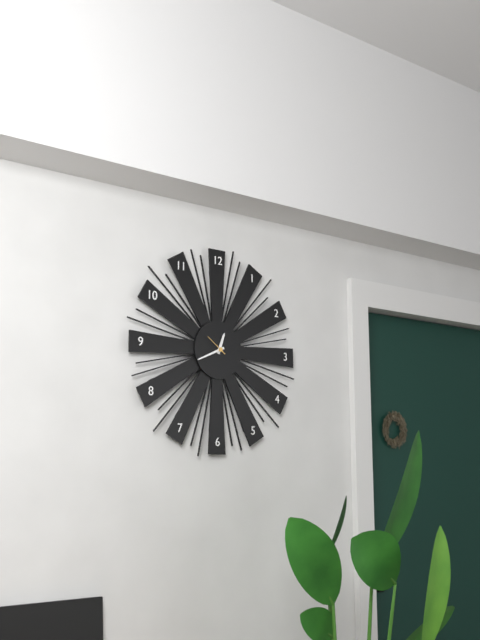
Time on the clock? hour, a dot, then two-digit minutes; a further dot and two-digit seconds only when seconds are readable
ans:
12.41
